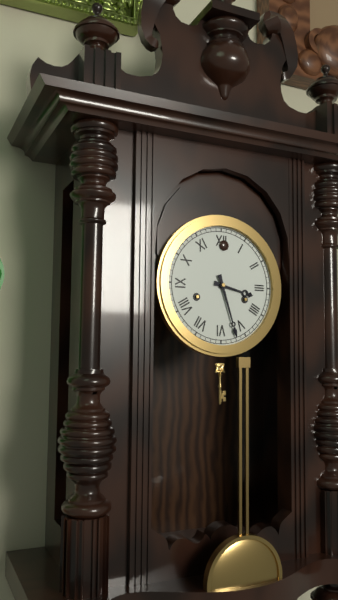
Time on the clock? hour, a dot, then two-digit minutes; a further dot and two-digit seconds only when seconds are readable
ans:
3.27
